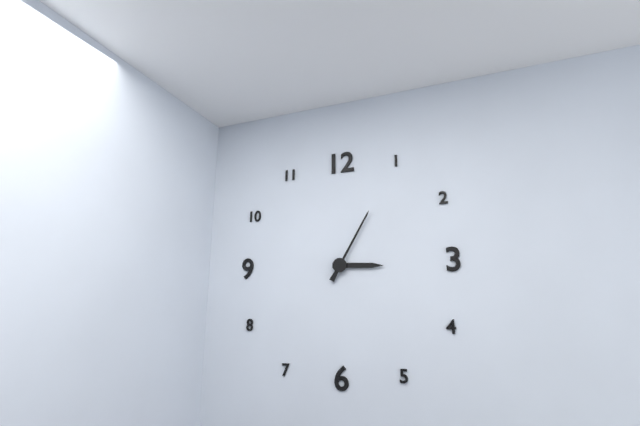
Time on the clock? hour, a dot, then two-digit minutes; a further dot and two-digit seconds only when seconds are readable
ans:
3.05
